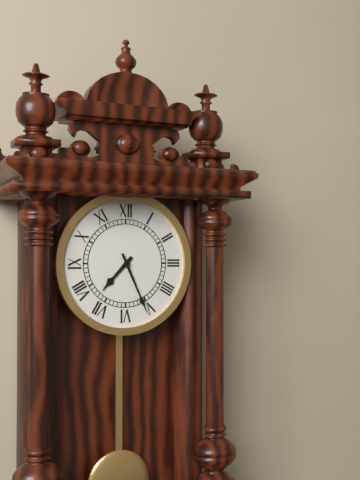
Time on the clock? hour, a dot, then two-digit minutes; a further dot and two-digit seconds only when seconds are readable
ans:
7.26
